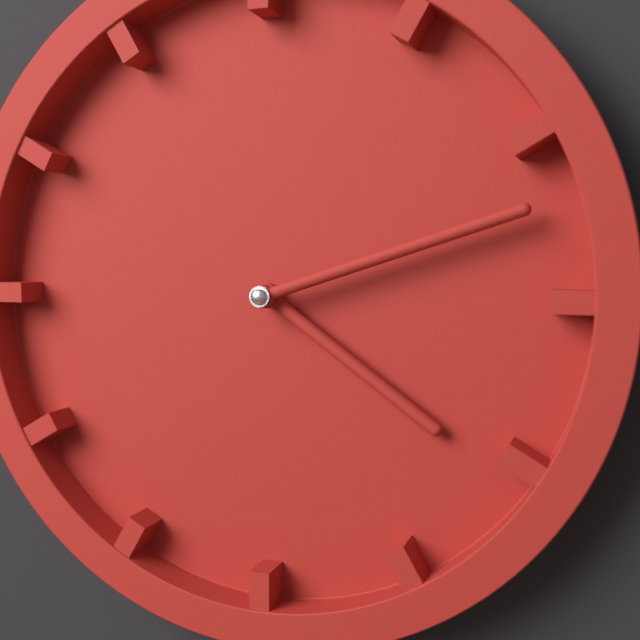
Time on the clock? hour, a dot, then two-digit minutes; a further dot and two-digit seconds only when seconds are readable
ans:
4.12
